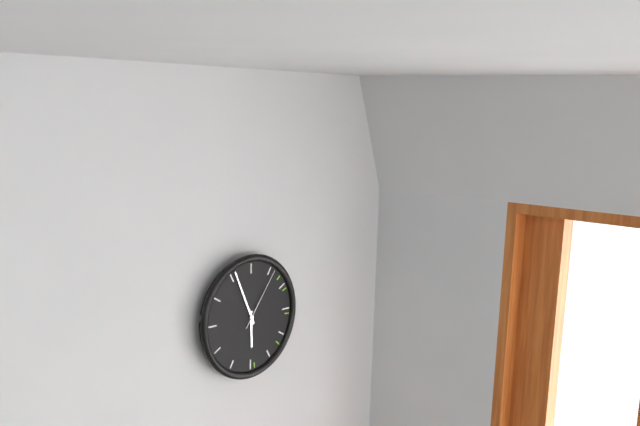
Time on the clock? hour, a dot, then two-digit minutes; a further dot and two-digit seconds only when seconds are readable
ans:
5.56.06
